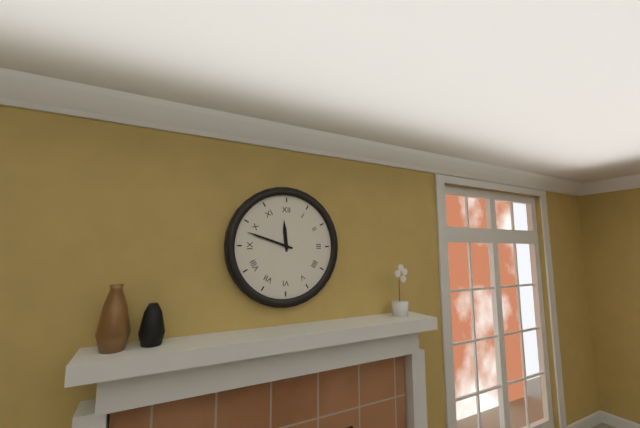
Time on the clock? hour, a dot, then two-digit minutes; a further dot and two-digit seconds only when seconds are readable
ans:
11.48
